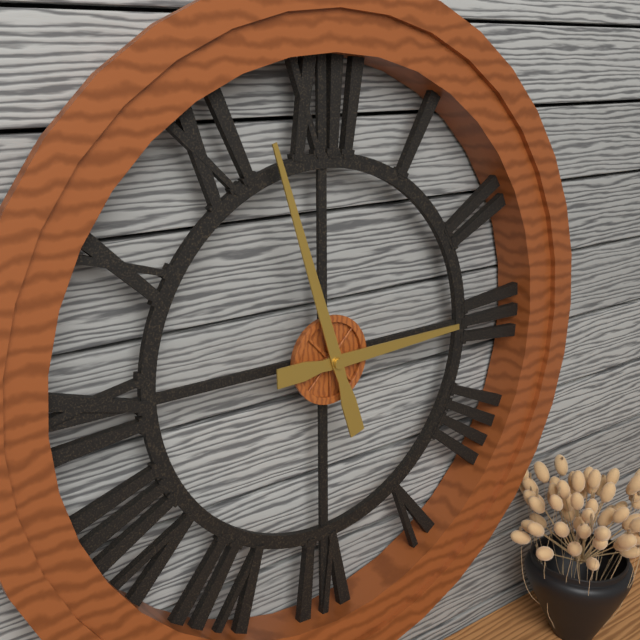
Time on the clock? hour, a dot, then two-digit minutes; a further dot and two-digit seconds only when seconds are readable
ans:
2.57
